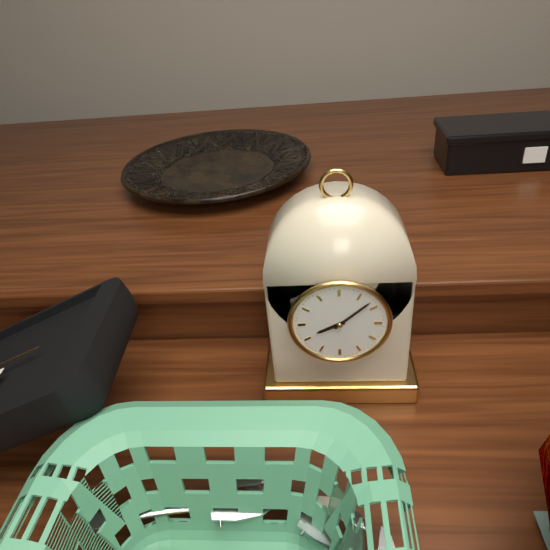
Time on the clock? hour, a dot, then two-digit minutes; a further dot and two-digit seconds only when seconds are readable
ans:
8.08
